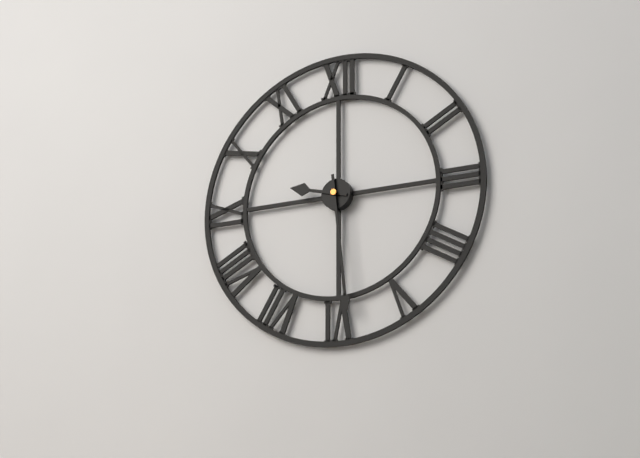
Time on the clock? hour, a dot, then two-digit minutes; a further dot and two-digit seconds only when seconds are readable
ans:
9.29
